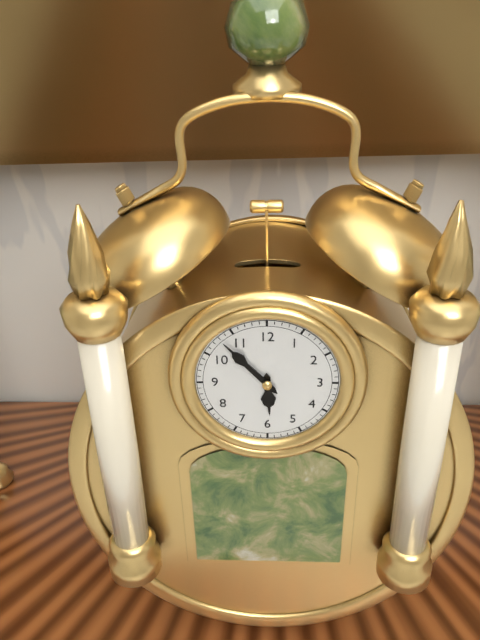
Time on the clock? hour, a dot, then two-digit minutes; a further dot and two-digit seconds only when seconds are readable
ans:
5.53
